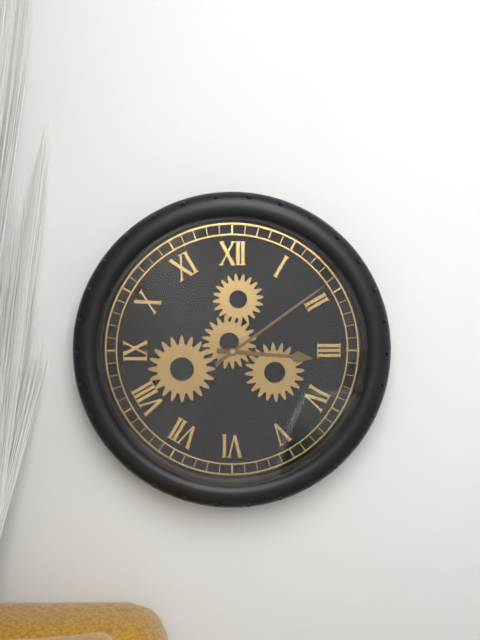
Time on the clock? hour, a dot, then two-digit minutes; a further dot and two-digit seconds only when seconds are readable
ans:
3.09
